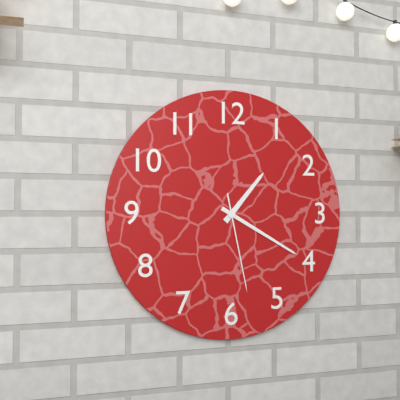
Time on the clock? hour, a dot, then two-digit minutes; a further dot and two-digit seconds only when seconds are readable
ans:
1.20.28
